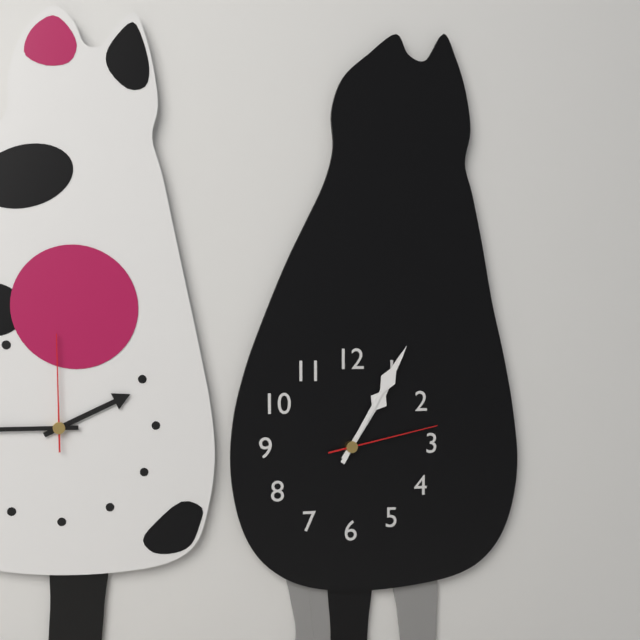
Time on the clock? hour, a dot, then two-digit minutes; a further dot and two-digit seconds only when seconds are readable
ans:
1.05.13
